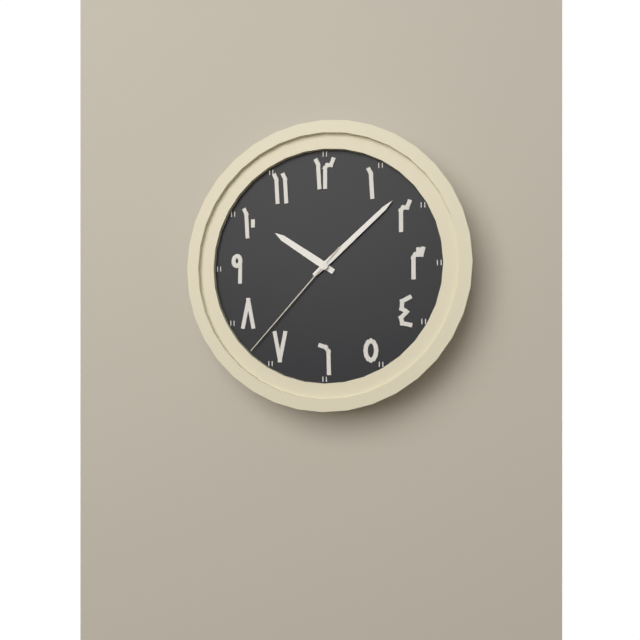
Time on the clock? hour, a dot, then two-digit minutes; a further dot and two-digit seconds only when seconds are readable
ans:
10.08.37
